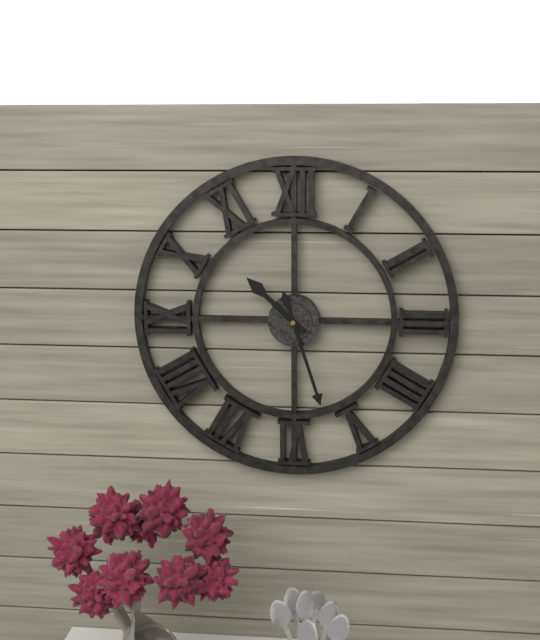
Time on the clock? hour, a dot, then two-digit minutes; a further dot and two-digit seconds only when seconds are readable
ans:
10.27
